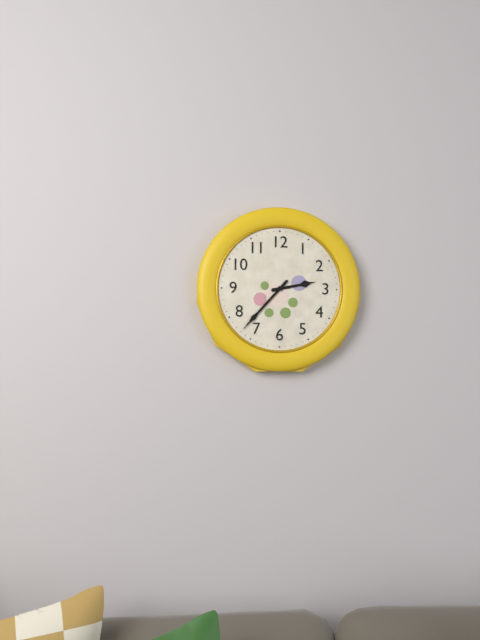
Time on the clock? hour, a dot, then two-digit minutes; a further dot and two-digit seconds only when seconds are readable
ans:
2.37
